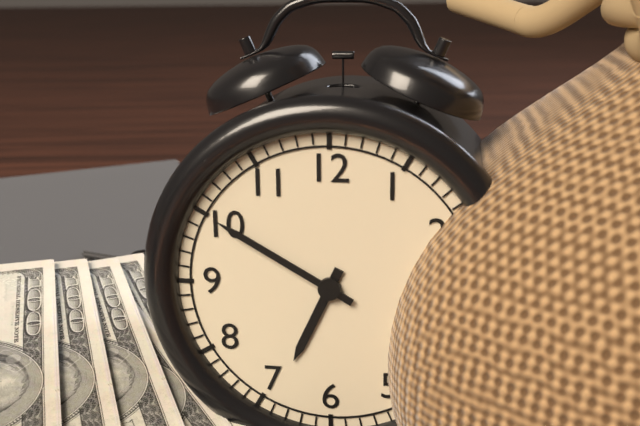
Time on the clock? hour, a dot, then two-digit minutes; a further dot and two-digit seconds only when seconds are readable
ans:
6.50
